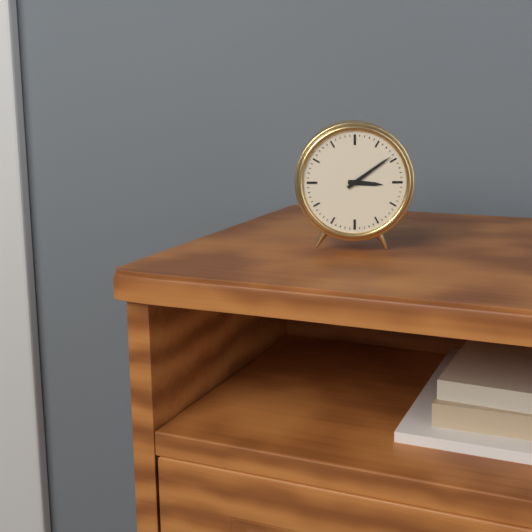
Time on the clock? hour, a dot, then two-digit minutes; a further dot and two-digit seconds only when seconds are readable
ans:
3.09
